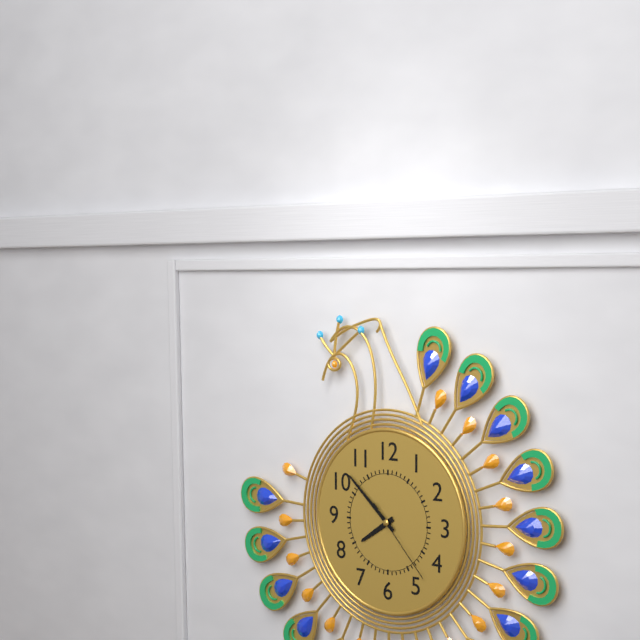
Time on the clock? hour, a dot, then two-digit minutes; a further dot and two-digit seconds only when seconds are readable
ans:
7.52.23
